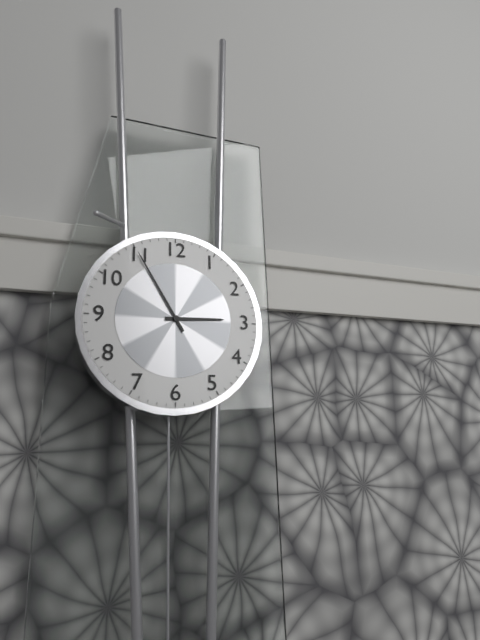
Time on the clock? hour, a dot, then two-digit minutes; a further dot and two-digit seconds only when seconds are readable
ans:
2.55
